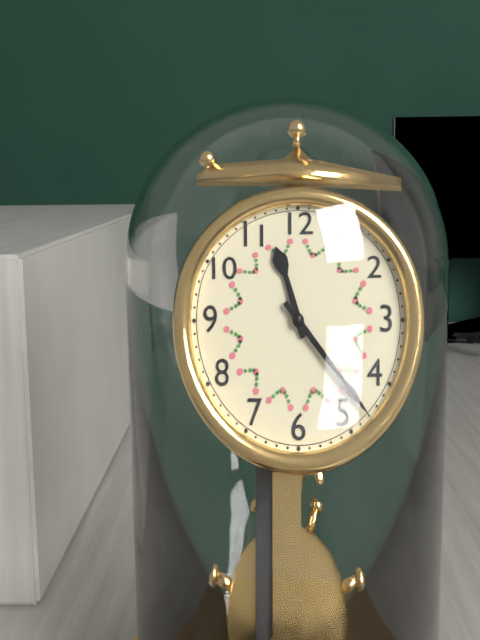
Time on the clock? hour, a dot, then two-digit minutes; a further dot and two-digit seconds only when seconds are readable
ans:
11.23
